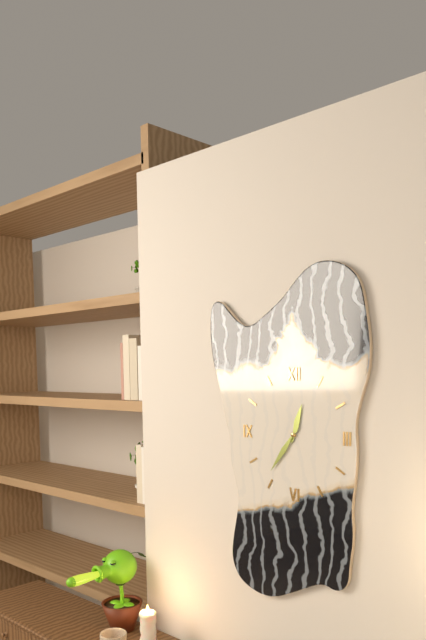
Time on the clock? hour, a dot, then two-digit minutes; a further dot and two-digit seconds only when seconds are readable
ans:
12.36
